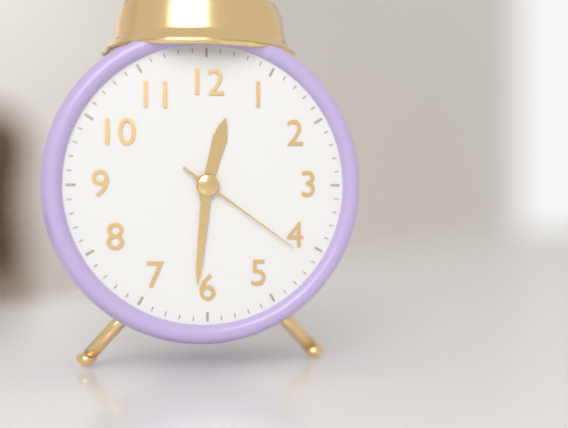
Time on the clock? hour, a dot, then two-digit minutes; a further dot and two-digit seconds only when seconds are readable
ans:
12.31.21
